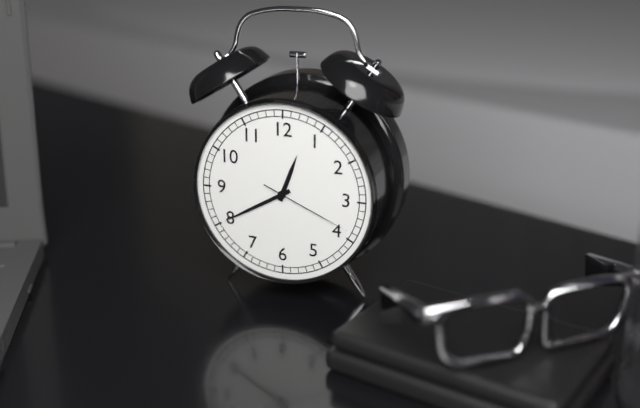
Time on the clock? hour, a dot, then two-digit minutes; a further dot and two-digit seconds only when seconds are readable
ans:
12.40.19
